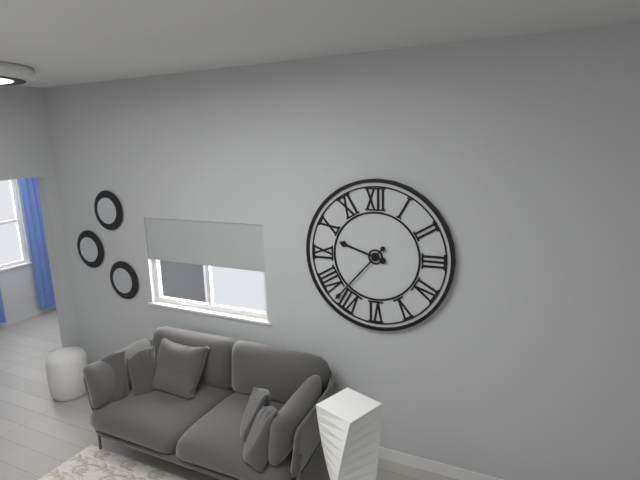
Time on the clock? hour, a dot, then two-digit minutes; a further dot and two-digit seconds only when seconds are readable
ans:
9.37
